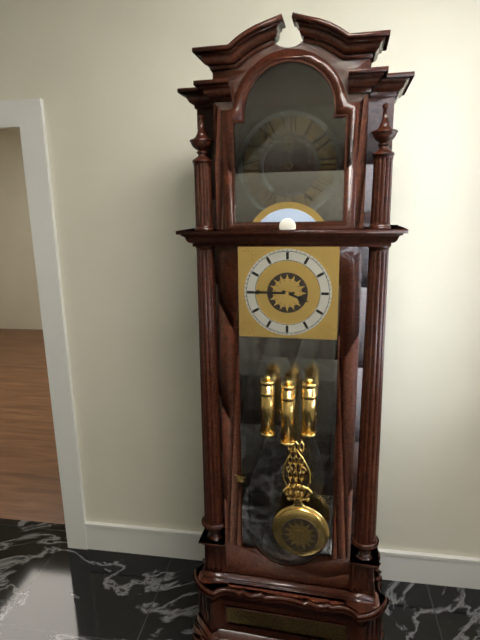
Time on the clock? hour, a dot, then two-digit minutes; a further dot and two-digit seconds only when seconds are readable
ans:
3.45
